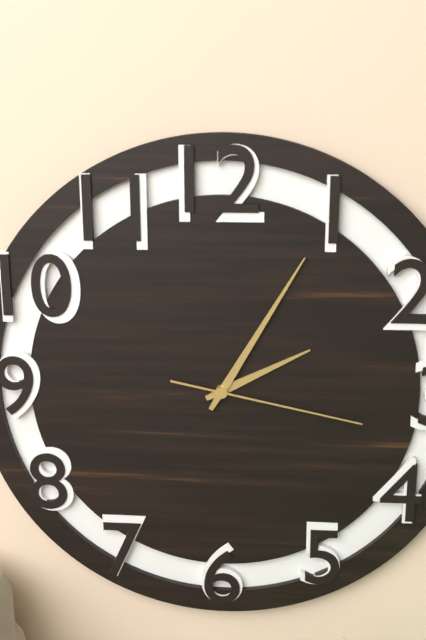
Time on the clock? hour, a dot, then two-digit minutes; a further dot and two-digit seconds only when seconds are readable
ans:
2.05.17
